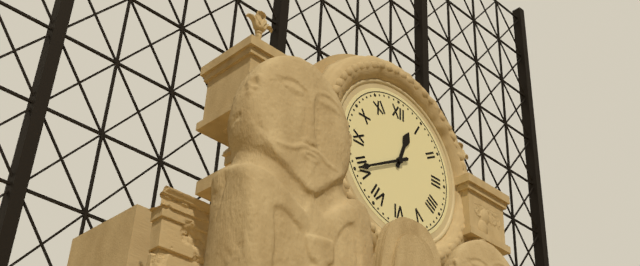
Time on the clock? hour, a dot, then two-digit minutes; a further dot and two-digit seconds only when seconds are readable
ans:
12.40
